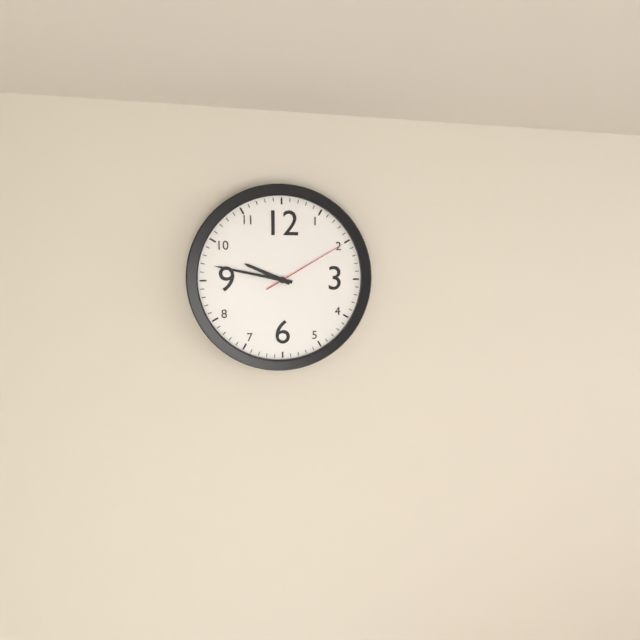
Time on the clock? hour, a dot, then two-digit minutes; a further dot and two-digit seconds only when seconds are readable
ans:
9.47.10
